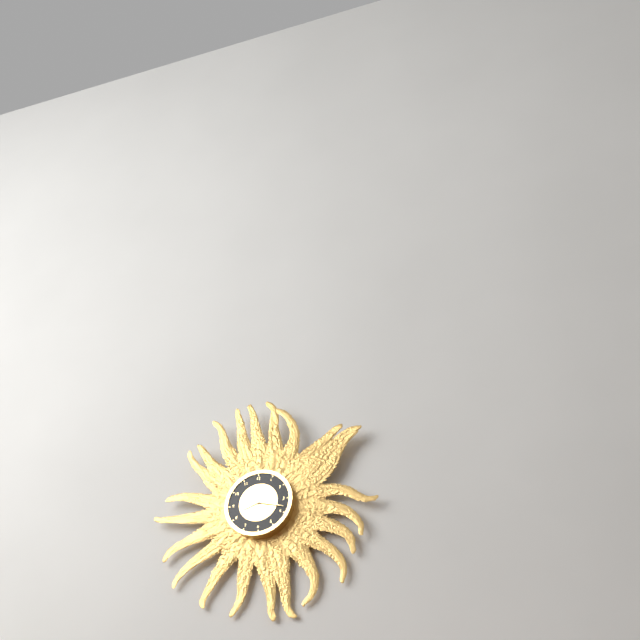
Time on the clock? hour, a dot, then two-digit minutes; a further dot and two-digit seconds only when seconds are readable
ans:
8.18
